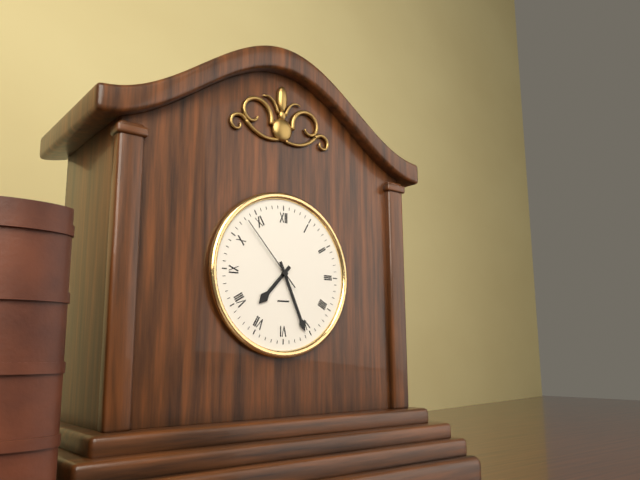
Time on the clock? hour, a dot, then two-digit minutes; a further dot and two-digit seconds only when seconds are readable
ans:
7.26.53
